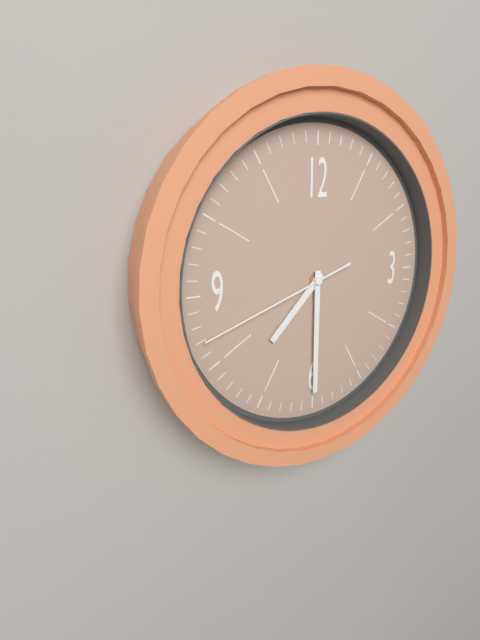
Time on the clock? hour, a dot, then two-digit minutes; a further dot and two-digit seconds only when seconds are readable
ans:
7.30.42
